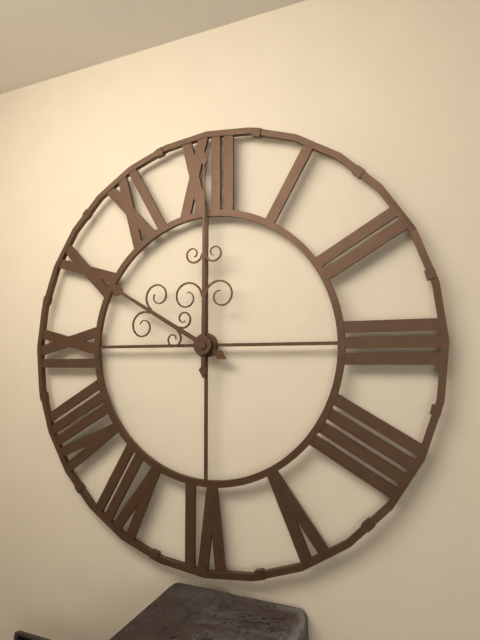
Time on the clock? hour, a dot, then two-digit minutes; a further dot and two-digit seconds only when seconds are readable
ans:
10.00
